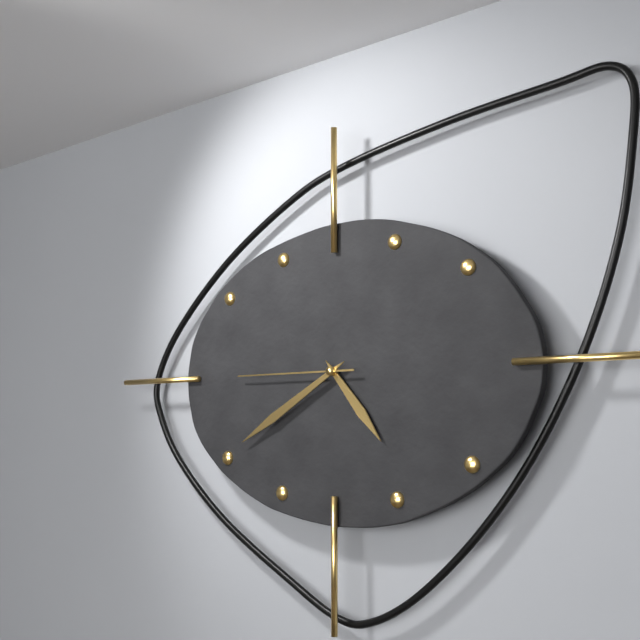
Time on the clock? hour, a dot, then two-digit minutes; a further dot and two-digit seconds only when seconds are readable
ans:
4.40.45
